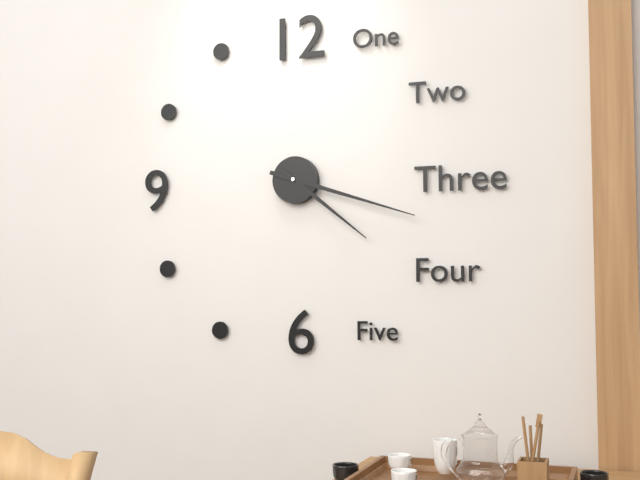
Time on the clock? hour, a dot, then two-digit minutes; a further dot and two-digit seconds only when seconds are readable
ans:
4.18
